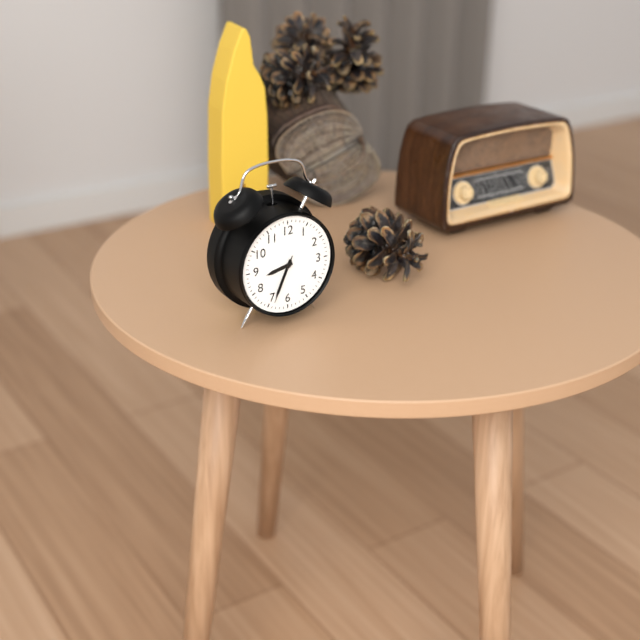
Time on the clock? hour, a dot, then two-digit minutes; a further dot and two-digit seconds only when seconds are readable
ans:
8.34
